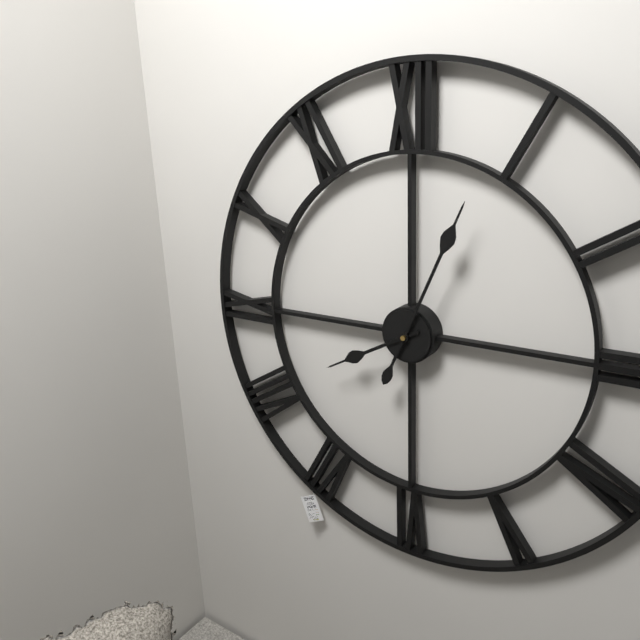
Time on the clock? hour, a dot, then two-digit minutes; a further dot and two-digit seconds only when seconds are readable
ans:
8.04
